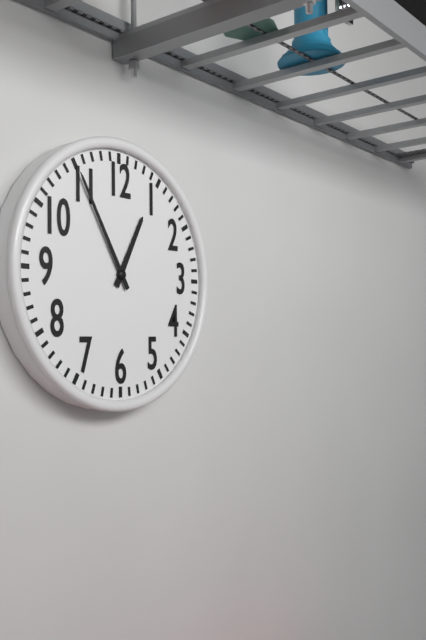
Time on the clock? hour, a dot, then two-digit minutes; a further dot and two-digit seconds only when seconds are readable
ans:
12.55
